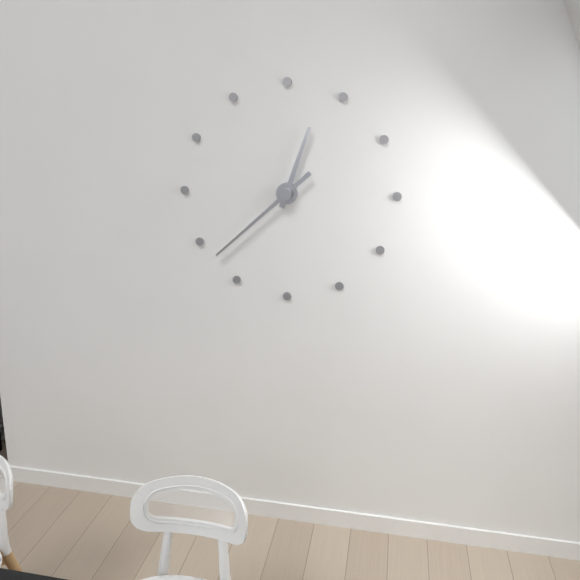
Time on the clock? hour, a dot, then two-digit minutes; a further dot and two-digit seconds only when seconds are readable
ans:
12.38
